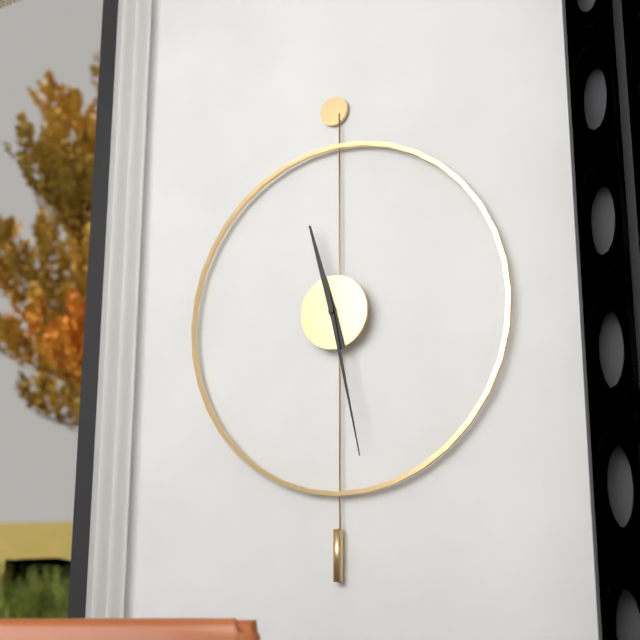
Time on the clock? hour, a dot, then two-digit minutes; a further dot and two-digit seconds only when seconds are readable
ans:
11.28
